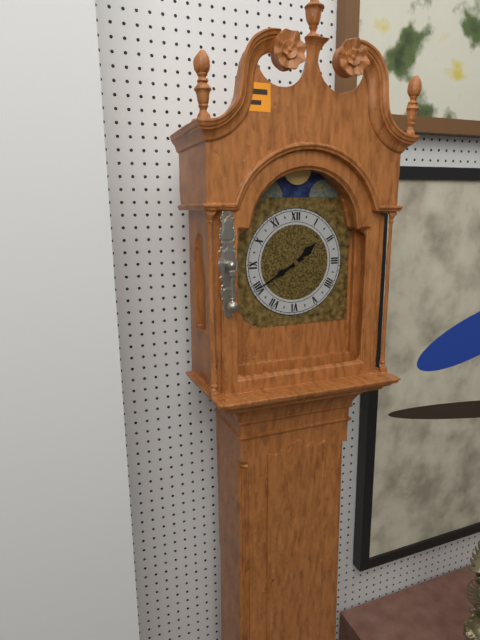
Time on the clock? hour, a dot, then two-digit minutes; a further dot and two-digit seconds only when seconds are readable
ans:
1.40
